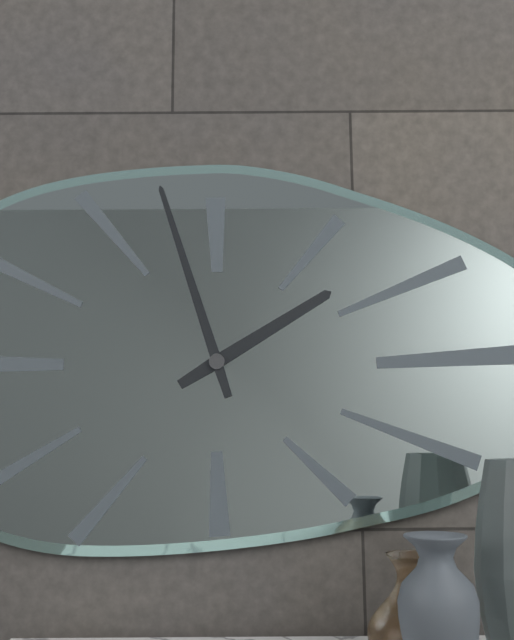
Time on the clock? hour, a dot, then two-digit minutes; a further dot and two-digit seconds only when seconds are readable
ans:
1.57
